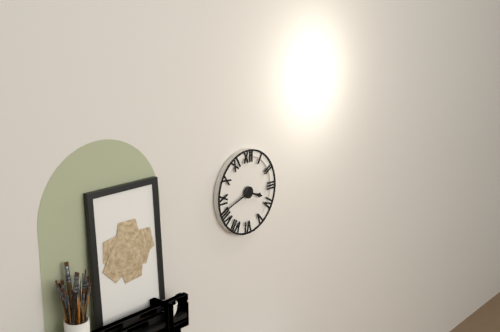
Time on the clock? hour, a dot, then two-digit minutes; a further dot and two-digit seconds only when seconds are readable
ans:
3.42
